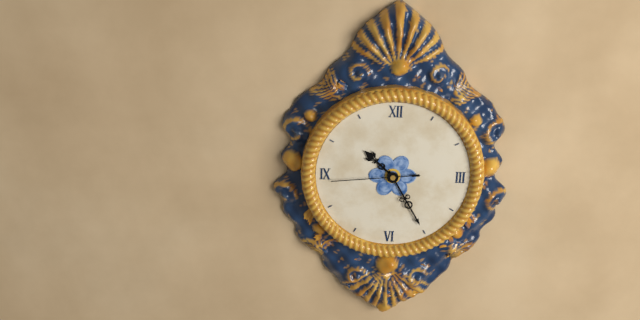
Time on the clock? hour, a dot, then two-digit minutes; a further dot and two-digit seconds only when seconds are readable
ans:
10.25.44
